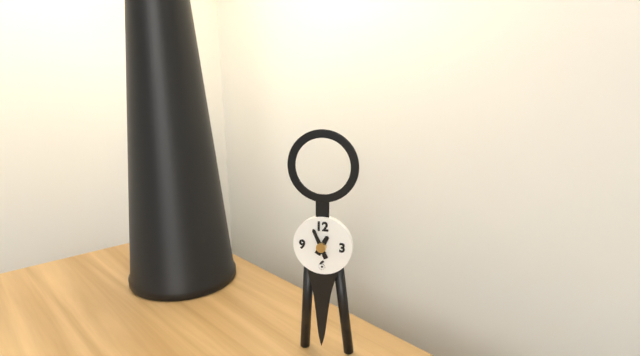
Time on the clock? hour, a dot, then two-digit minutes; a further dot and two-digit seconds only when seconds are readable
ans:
12.56
